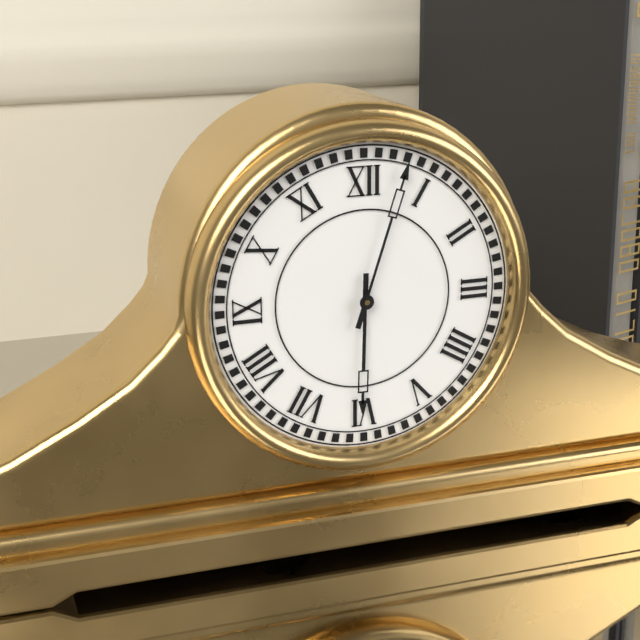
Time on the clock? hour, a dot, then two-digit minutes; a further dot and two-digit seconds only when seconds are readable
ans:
6.03
